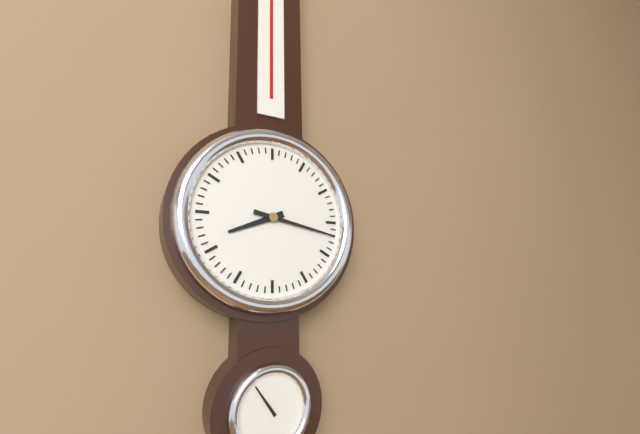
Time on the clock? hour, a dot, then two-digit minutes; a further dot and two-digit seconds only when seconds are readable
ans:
8.17
